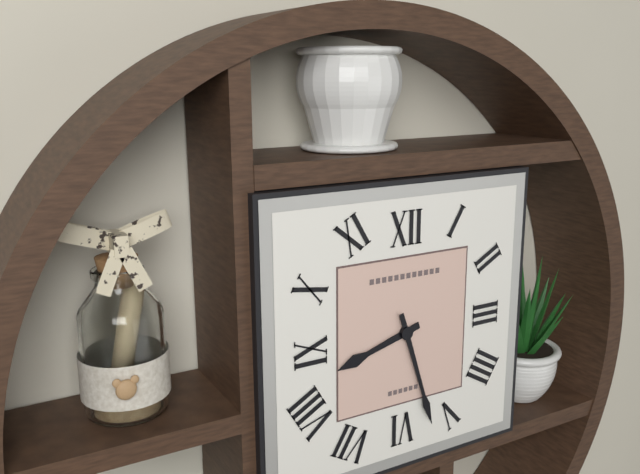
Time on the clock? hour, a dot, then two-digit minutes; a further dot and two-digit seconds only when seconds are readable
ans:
8.27
